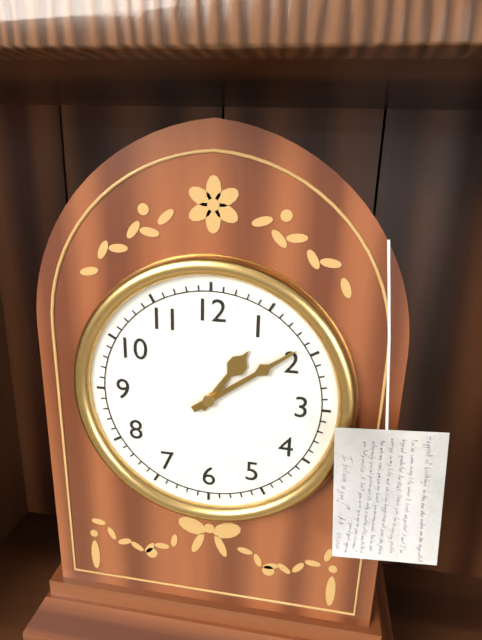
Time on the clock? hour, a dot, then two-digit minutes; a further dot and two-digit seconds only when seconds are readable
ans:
1.09
